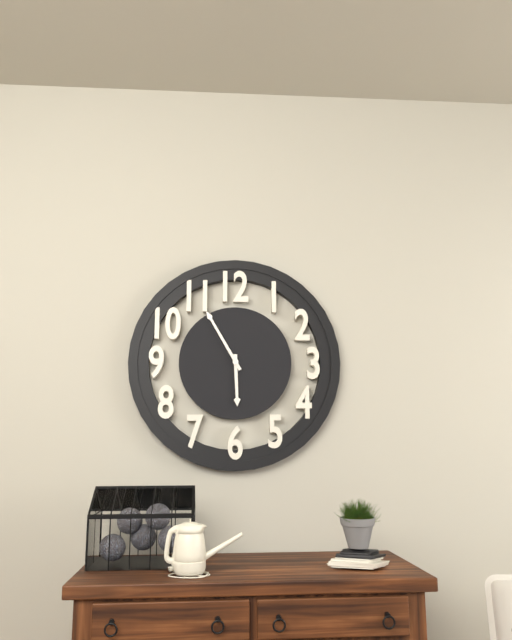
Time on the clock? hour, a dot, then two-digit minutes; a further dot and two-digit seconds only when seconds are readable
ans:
5.55
